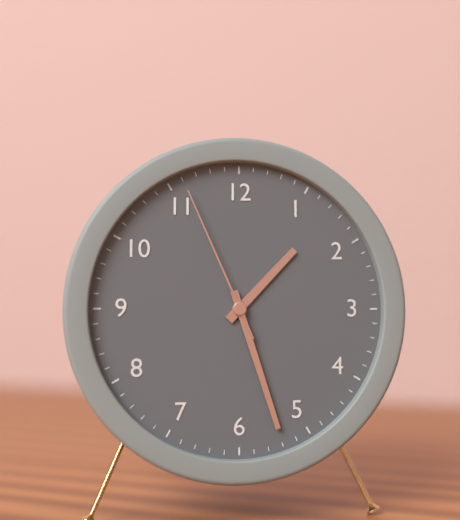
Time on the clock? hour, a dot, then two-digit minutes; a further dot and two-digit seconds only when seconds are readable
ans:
1.27.56
